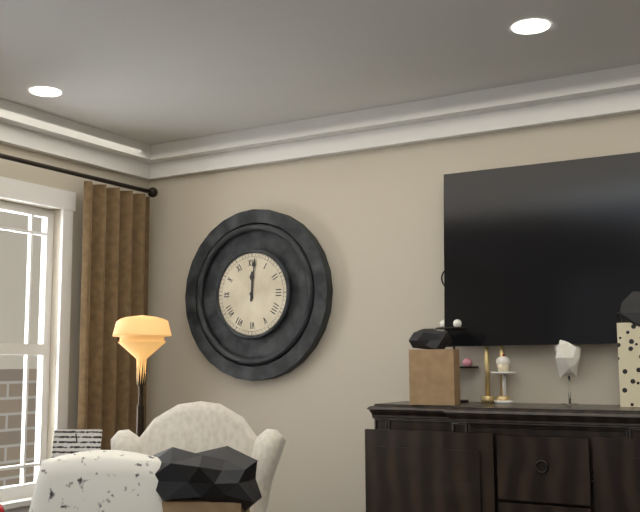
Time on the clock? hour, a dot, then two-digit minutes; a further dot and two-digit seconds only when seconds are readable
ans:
12.01
